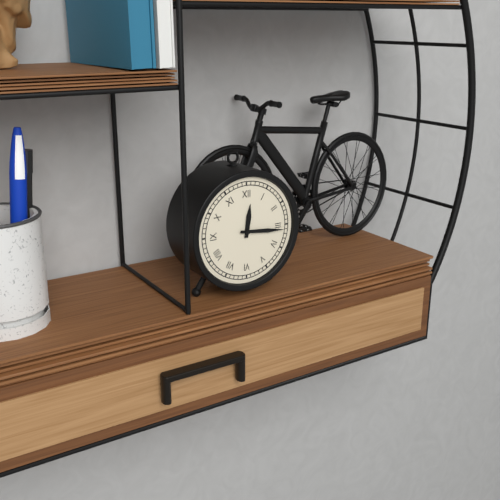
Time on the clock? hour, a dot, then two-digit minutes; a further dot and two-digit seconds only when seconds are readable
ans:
12.16
